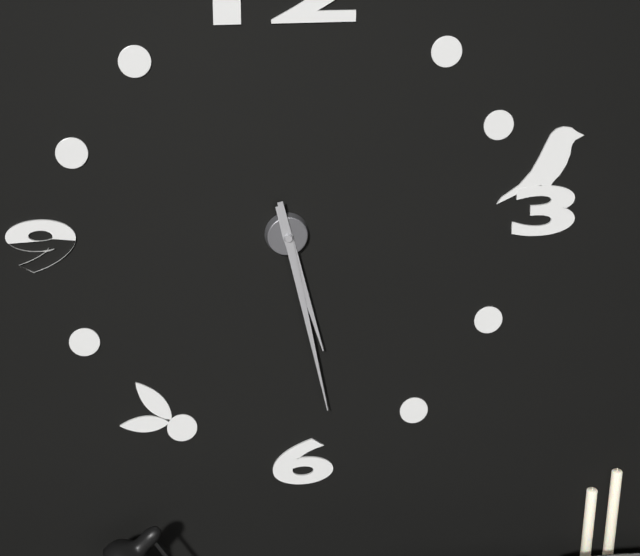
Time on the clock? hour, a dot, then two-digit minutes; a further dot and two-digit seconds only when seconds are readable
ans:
5.28
